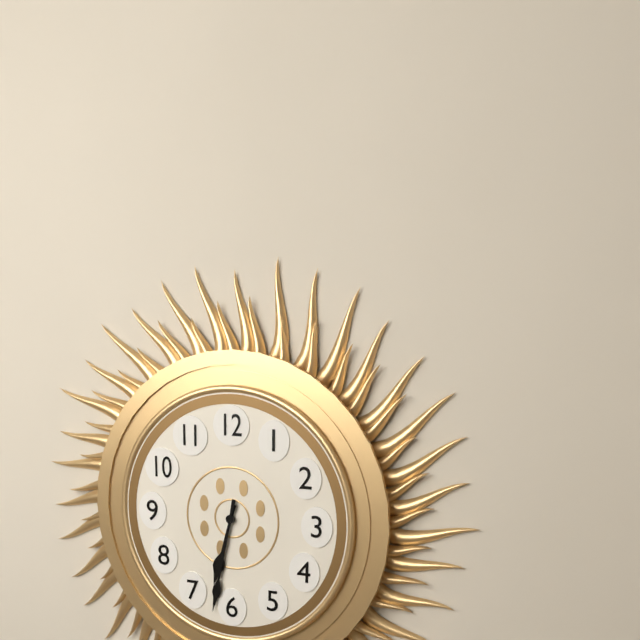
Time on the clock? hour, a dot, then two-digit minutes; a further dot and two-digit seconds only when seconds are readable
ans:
6.32
